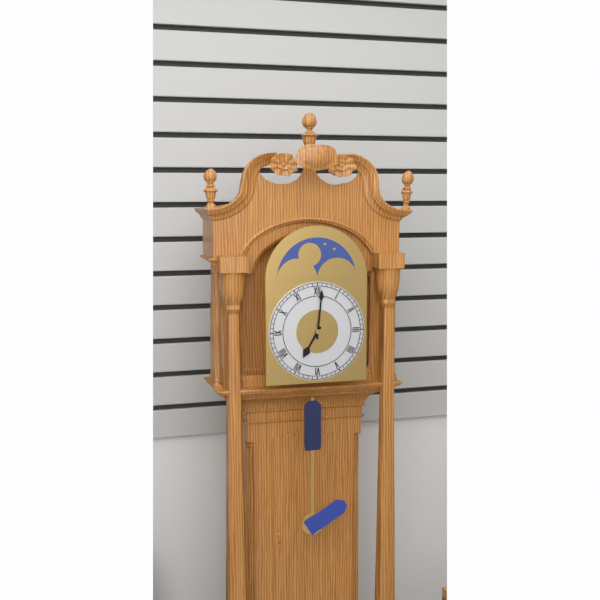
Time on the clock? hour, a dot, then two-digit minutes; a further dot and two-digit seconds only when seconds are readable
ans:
7.01
